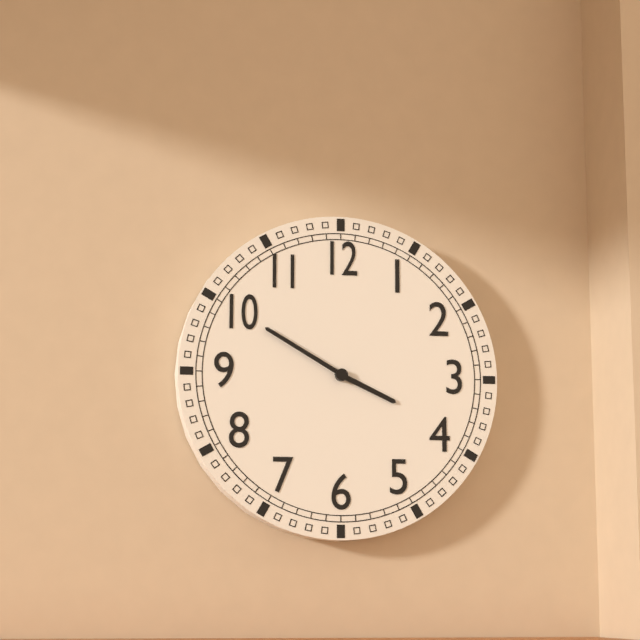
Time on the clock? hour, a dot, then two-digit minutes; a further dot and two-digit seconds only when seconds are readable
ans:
3.50
